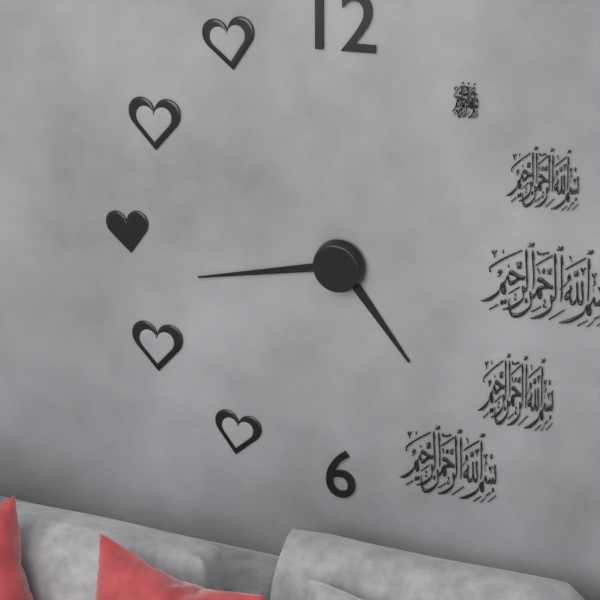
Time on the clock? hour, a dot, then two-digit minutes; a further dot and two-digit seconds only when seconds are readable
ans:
4.43
